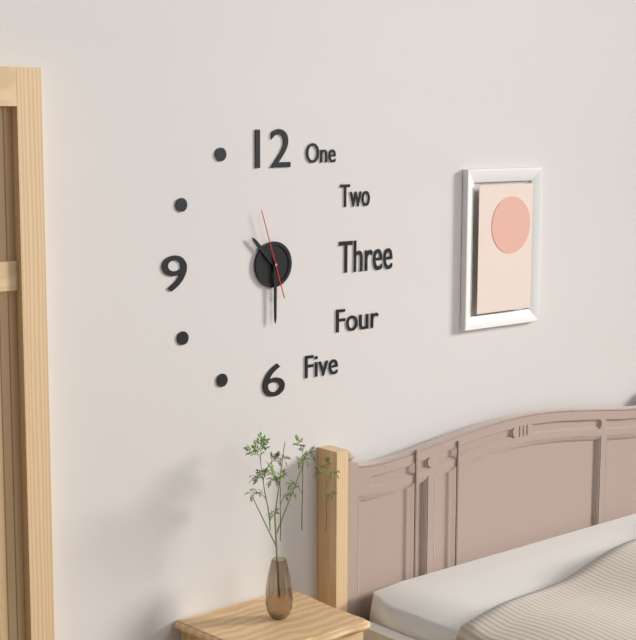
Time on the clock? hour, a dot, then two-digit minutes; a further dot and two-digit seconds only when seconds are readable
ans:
10.30.57
